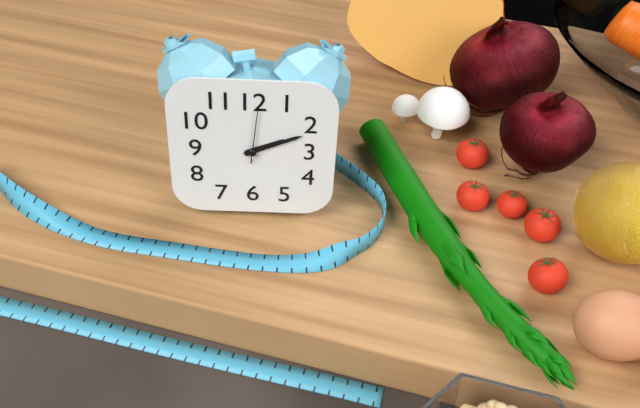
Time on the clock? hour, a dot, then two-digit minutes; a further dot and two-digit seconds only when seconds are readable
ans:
2.11.01
